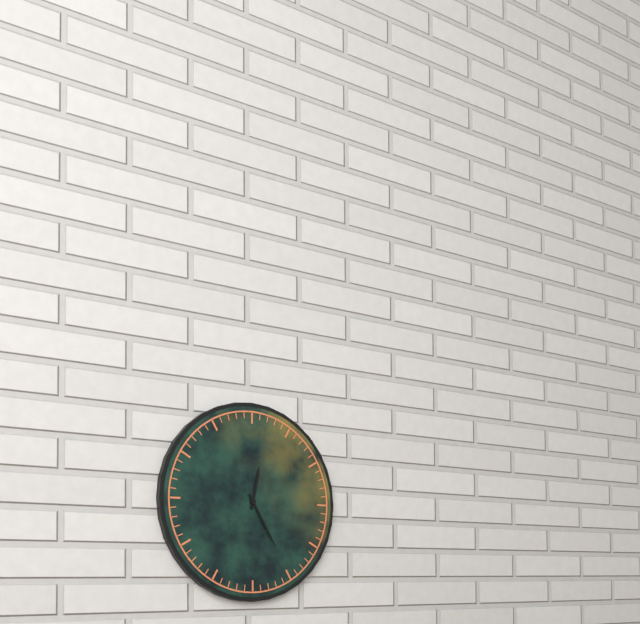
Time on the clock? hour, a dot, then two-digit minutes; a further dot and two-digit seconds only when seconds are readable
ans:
12.25
